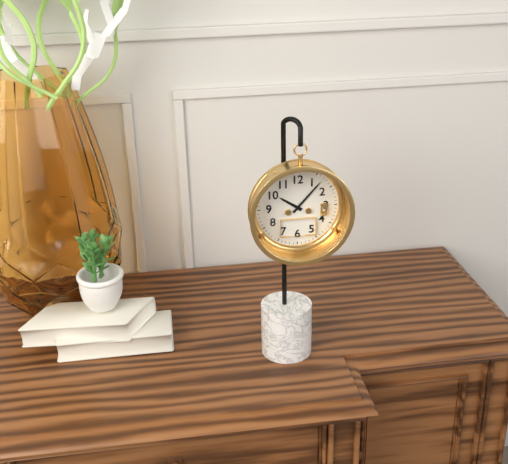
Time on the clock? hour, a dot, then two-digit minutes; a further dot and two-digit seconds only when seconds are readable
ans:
10.07
